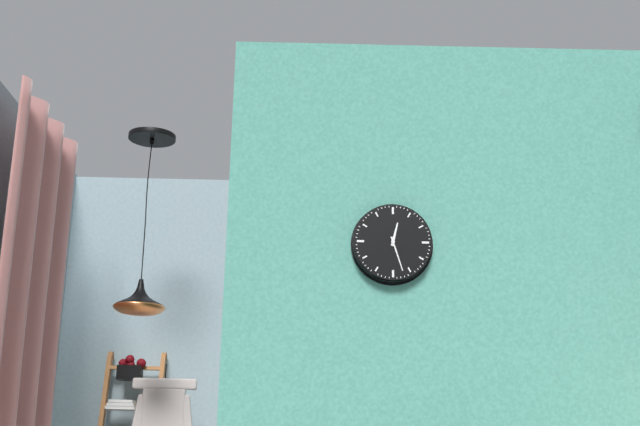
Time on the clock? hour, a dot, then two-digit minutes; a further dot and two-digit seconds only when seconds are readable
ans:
12.27
